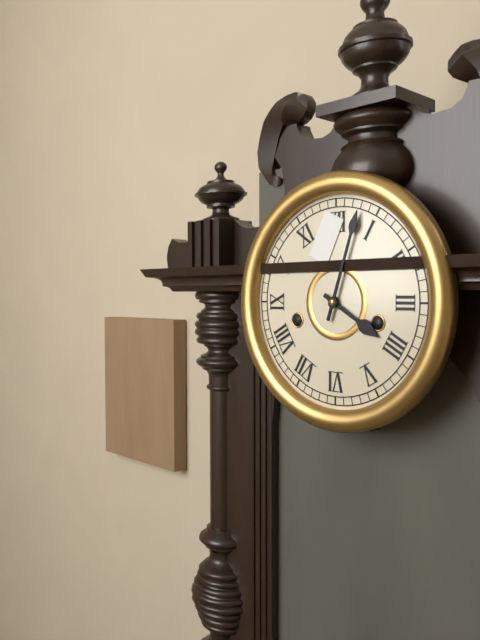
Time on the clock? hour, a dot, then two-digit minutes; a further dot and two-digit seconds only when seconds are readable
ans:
4.03
